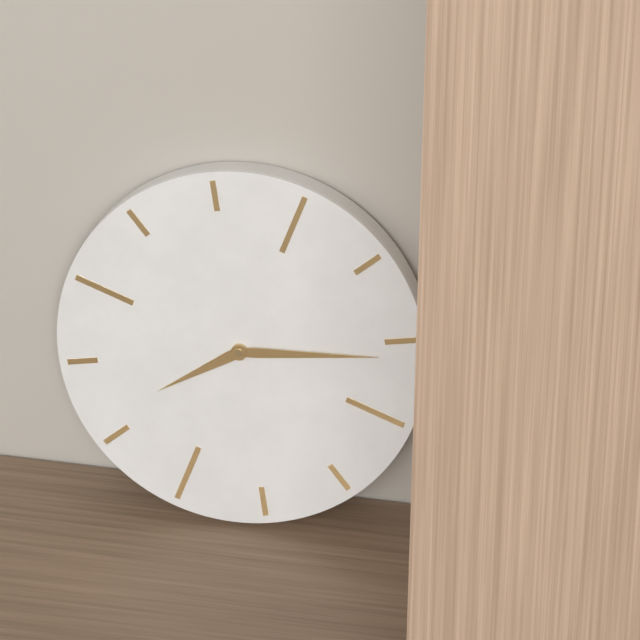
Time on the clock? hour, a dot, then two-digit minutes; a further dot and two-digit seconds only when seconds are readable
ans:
8.16
